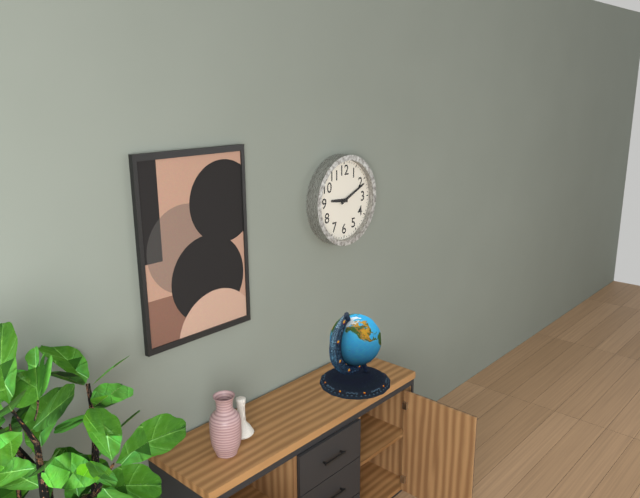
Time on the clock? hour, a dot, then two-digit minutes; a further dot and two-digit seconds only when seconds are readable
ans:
9.11
